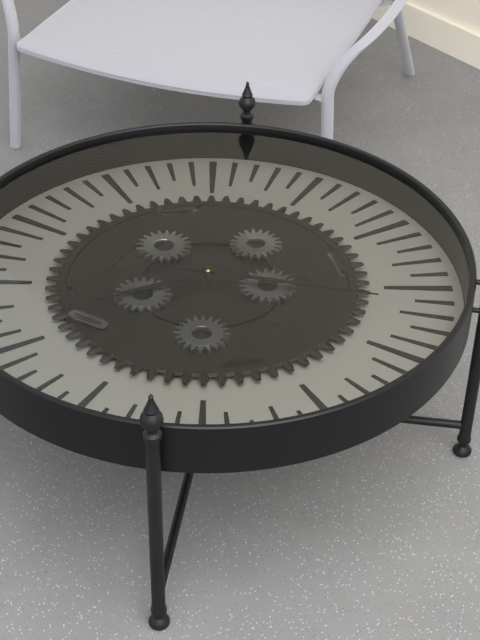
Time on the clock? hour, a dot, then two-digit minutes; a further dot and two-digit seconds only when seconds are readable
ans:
7.12
